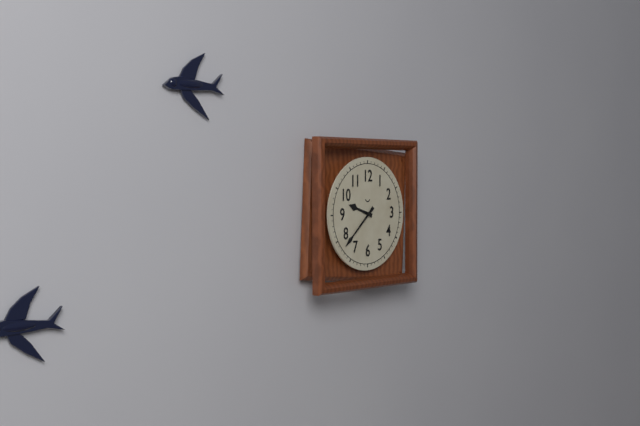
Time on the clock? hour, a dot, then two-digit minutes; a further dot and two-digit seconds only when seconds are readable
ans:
9.38
